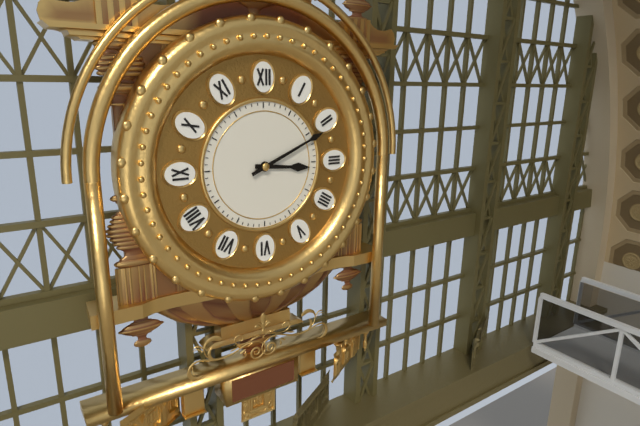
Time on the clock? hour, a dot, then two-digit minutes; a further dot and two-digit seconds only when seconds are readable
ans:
3.11
